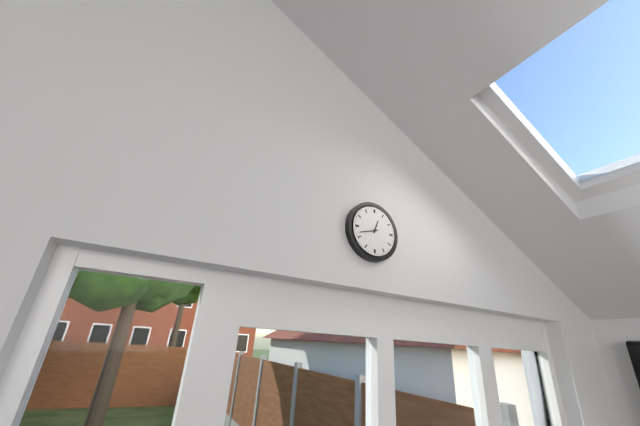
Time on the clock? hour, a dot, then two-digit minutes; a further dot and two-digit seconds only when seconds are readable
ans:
12.42
